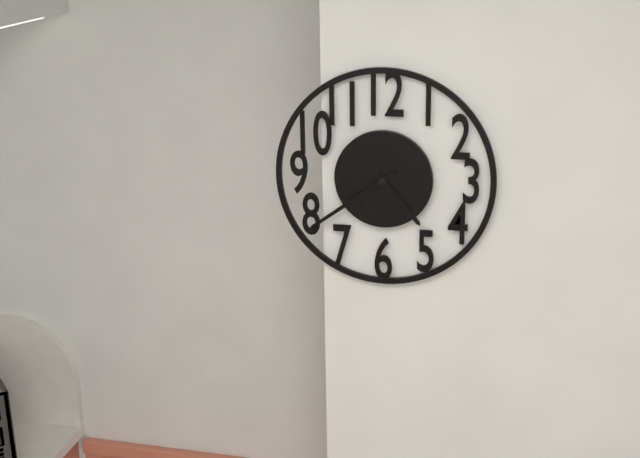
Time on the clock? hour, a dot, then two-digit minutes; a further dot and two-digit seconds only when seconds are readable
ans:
4.39
